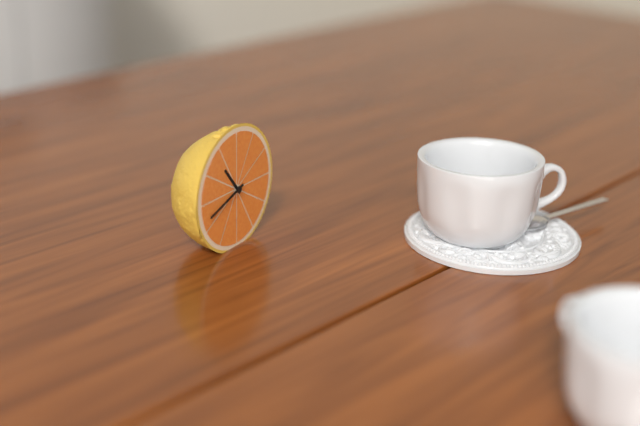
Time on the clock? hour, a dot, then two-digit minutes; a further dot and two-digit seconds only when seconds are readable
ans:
10.42
